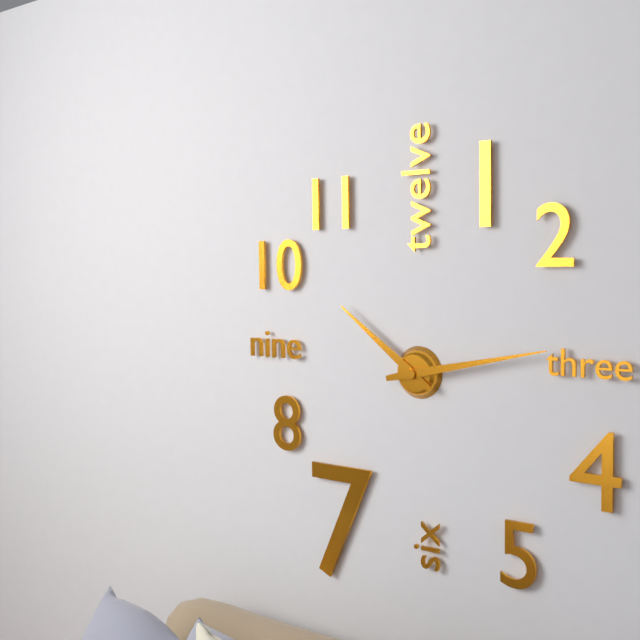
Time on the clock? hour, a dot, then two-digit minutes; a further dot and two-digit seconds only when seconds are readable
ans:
10.13
